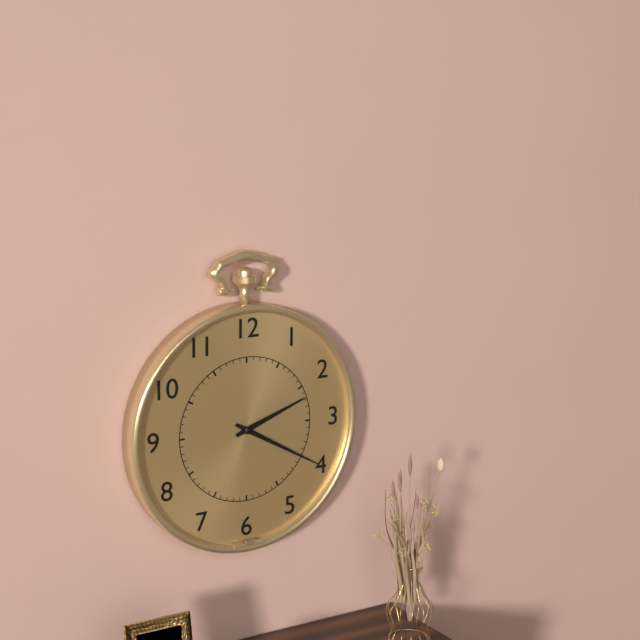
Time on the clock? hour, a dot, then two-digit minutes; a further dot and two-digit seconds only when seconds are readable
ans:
2.20
